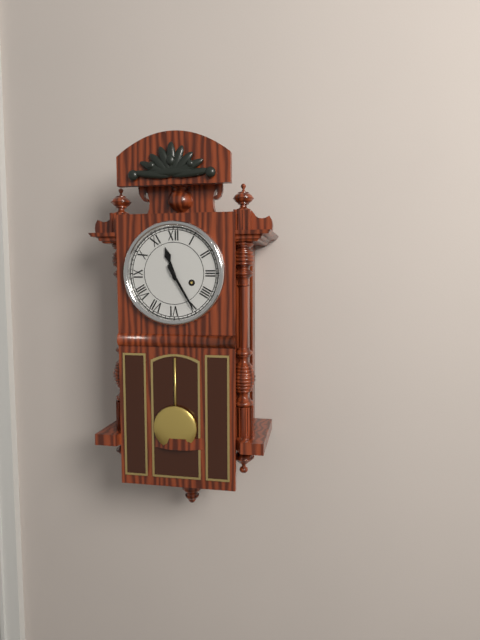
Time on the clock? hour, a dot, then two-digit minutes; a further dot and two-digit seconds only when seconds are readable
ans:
11.25
